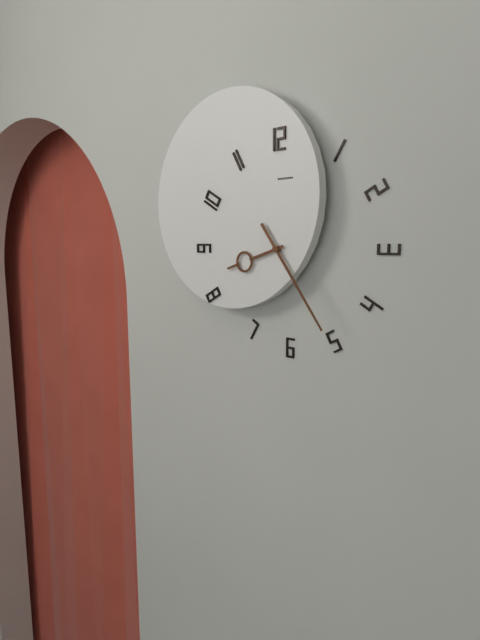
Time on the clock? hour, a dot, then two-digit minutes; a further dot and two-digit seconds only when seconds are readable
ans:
8.24
